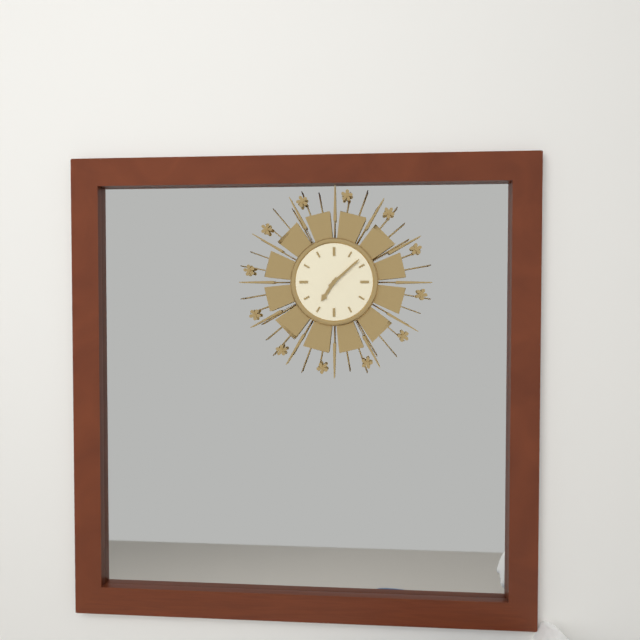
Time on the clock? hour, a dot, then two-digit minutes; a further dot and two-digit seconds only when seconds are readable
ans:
7.08
